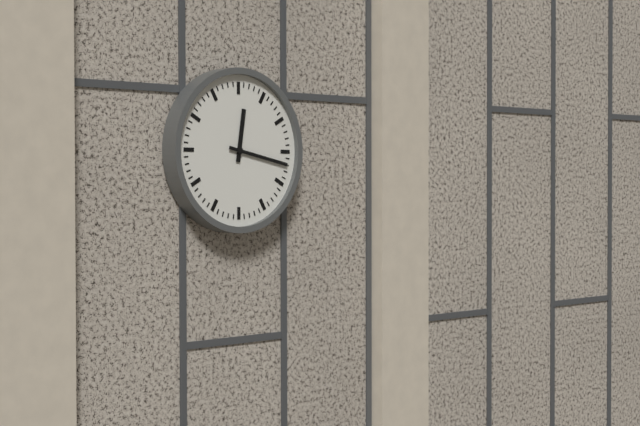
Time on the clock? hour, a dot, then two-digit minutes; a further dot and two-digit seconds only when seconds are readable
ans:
12.17
